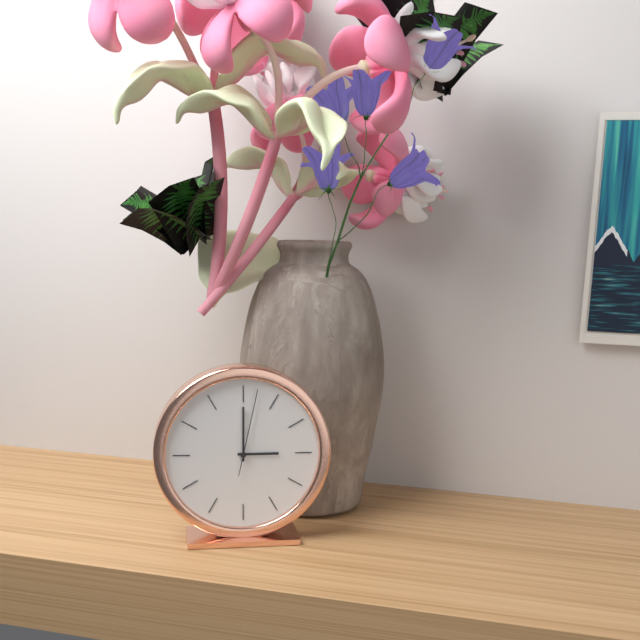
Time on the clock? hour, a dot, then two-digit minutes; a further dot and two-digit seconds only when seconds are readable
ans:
3.00.02
